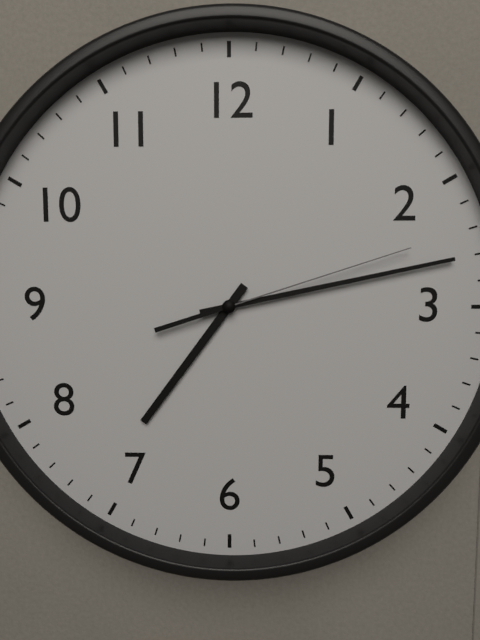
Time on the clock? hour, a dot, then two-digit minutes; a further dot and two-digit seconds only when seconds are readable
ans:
7.13.12
